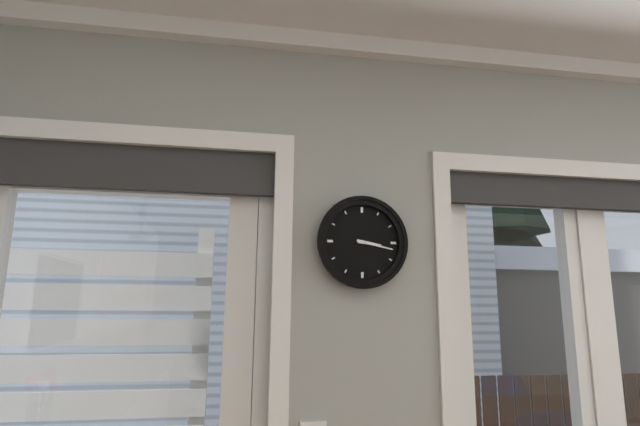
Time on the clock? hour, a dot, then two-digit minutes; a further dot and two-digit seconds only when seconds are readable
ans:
3.17
